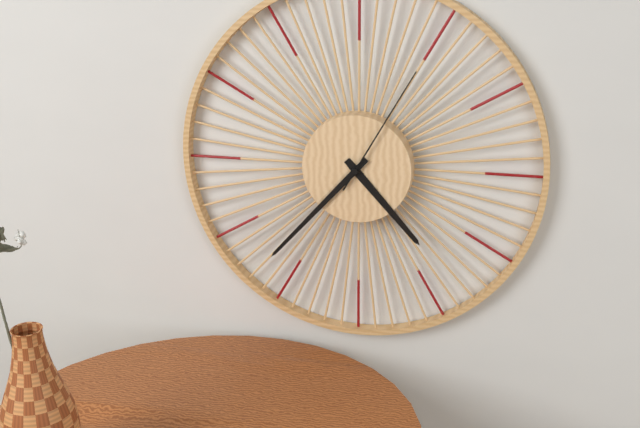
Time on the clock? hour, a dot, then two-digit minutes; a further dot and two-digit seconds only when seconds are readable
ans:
4.37.05
